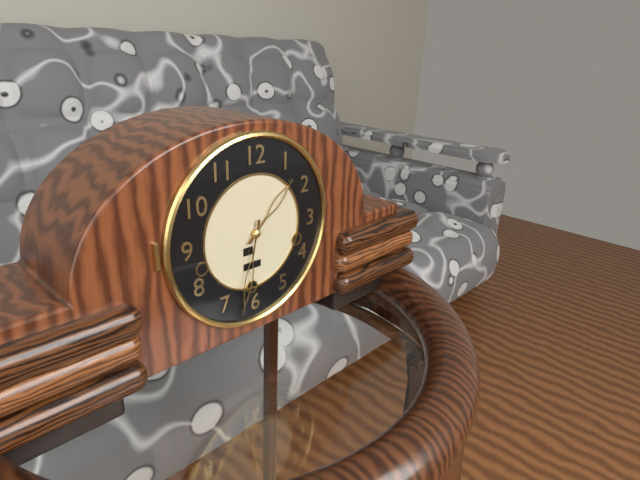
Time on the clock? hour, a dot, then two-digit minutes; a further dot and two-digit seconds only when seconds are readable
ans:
1.32
